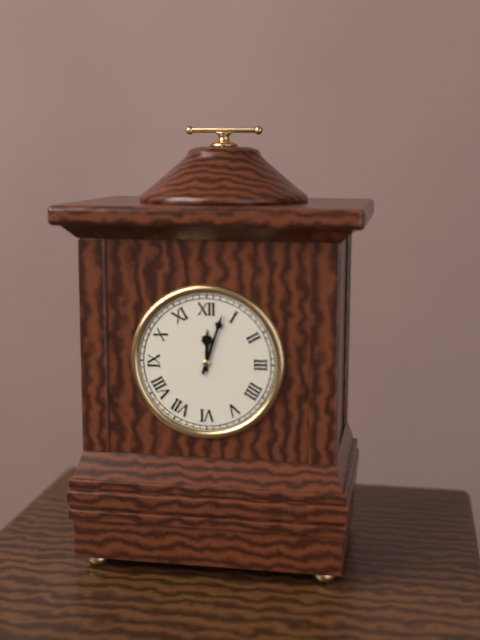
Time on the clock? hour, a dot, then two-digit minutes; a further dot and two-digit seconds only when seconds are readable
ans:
12.03
